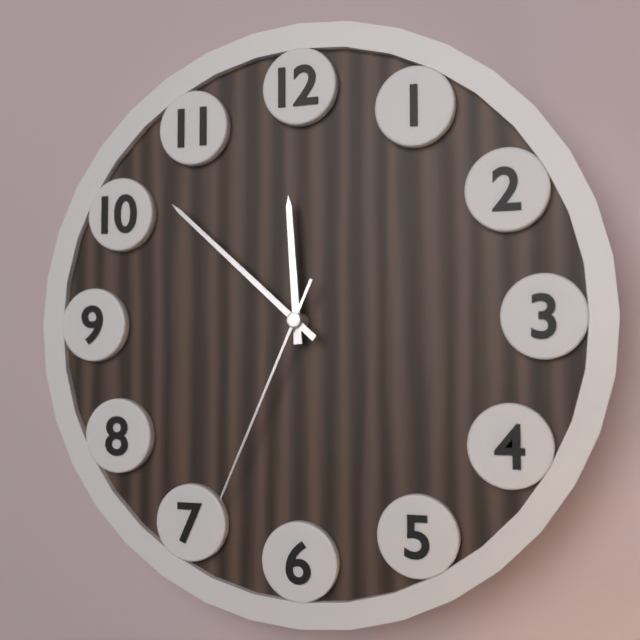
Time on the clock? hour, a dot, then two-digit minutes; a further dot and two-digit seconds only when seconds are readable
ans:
11.52.34
